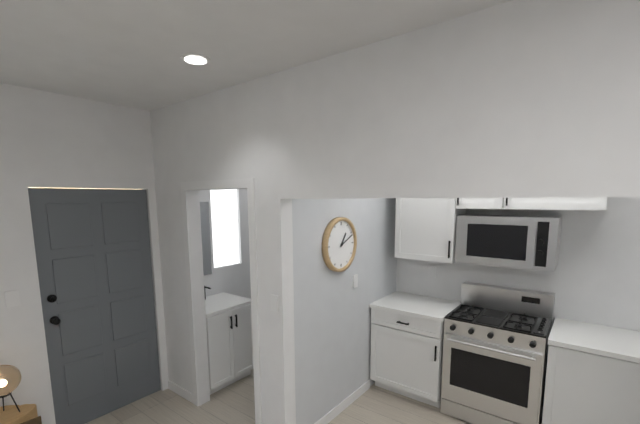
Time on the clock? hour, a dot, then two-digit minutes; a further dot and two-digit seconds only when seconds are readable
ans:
1.11
